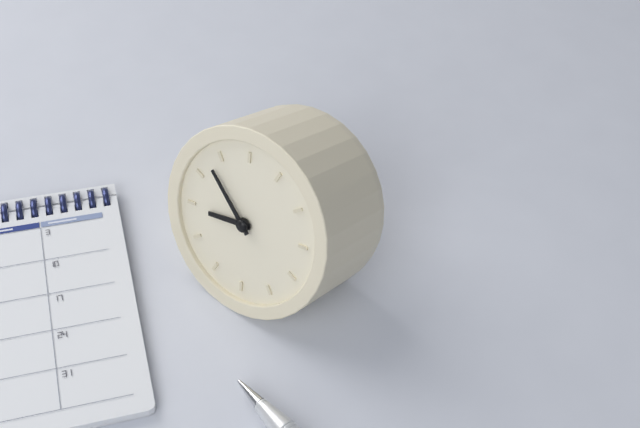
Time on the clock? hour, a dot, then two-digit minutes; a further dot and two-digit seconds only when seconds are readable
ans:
8.53
